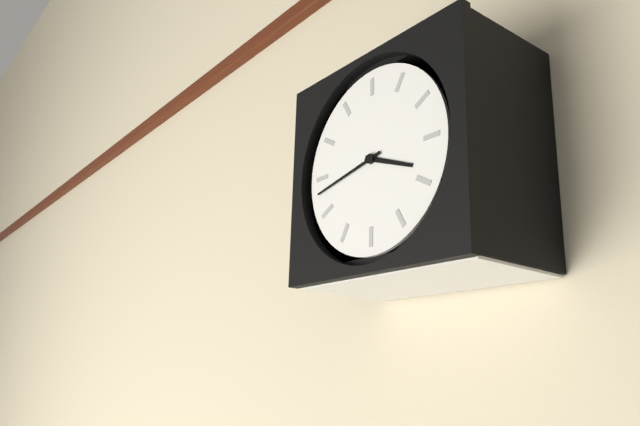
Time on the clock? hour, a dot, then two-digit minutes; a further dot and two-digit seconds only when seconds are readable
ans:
3.43
